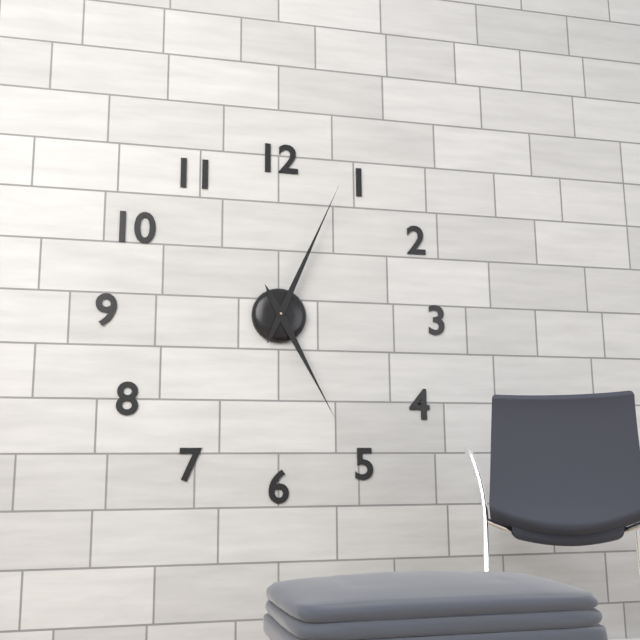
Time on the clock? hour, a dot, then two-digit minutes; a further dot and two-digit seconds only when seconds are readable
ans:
5.04
